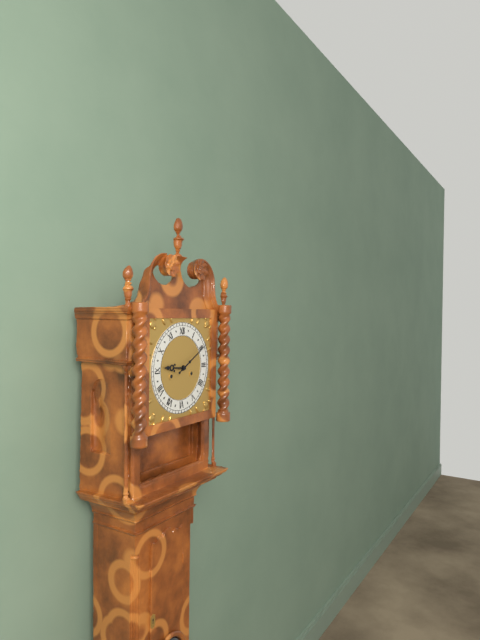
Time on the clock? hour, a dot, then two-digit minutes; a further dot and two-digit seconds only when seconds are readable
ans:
9.10
